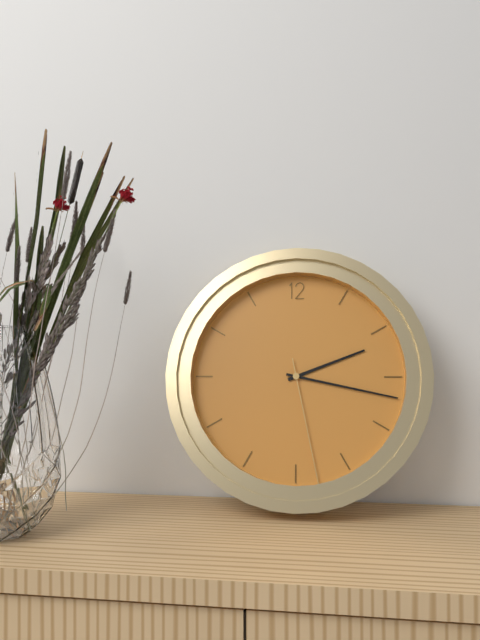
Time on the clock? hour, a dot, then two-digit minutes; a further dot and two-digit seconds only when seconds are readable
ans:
2.17.28
